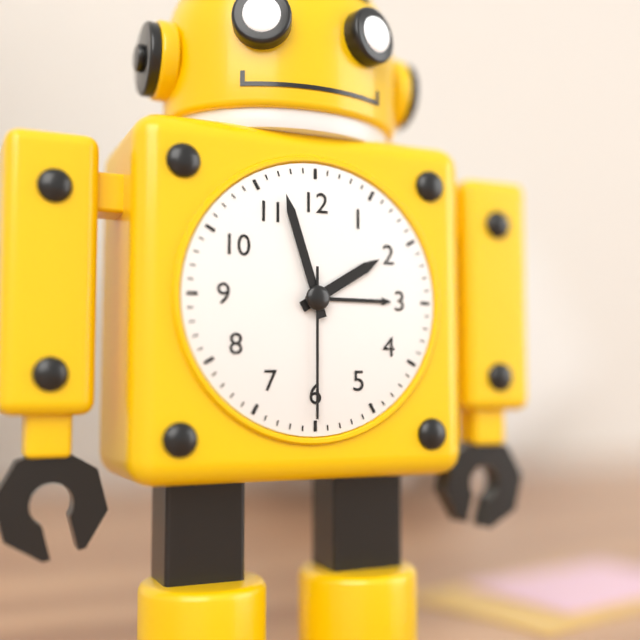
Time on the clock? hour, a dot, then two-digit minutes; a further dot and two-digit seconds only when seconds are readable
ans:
1.57.30
